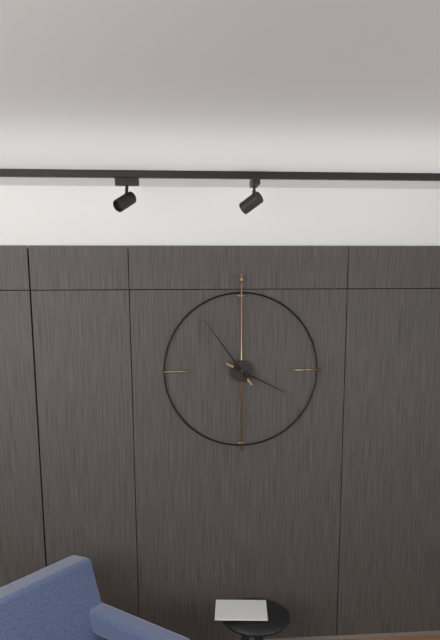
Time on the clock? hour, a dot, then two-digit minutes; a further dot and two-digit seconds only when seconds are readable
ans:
3.54
